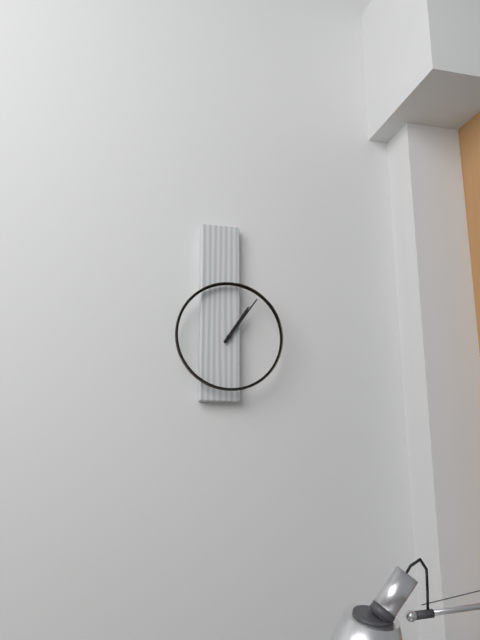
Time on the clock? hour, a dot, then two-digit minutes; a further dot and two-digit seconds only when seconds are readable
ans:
1.06
